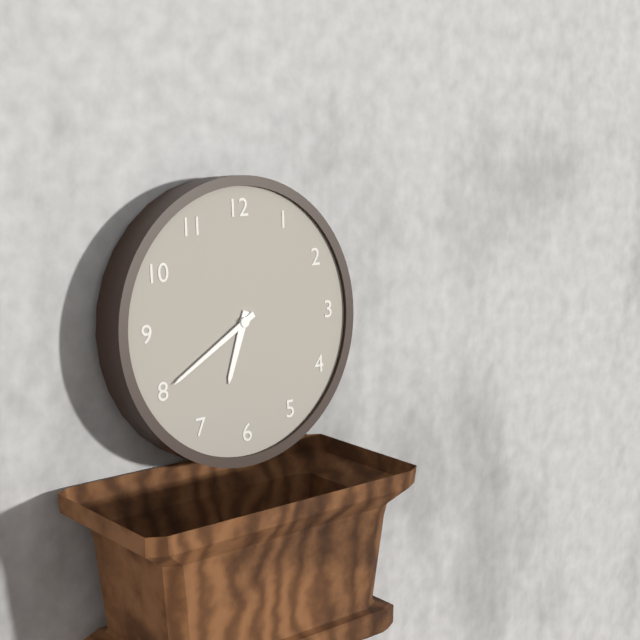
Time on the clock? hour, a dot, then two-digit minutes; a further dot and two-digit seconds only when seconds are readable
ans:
6.40
